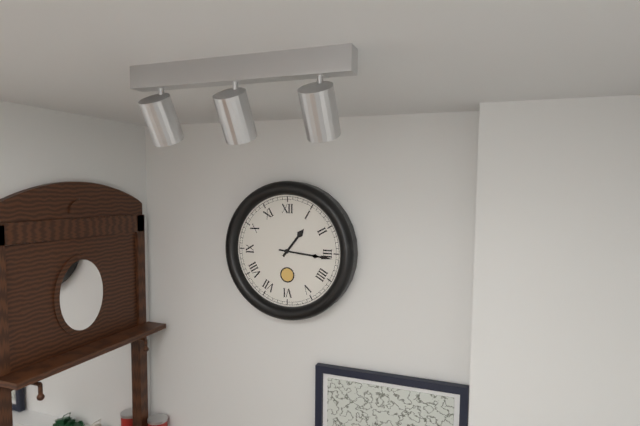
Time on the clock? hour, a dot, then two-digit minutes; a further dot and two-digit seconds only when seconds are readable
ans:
1.16
